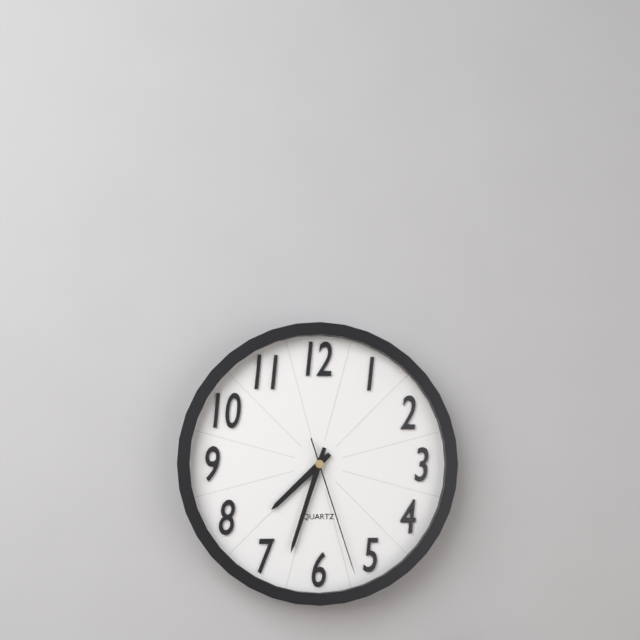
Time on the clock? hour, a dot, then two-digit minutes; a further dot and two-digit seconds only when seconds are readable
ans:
7.33.27
